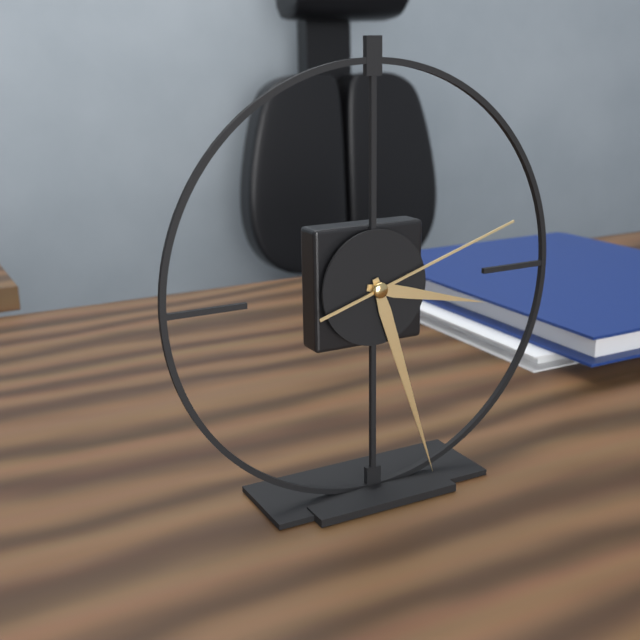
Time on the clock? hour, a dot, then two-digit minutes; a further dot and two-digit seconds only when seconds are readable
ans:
3.27.12
